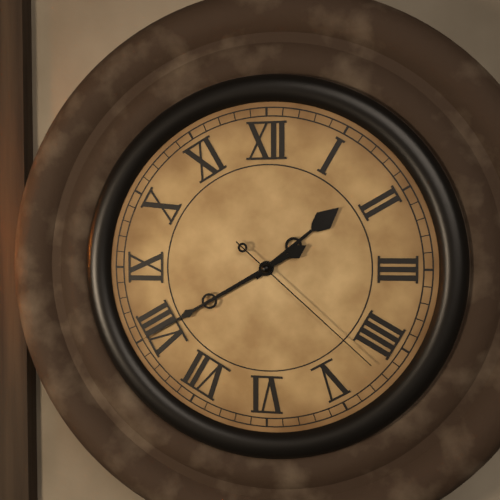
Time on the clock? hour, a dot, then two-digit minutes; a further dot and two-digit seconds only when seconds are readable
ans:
1.40.22
